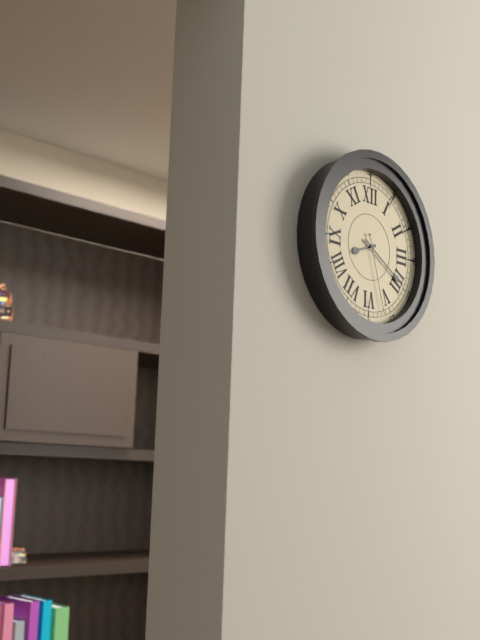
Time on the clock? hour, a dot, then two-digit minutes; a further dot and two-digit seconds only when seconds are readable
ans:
8.20.27
